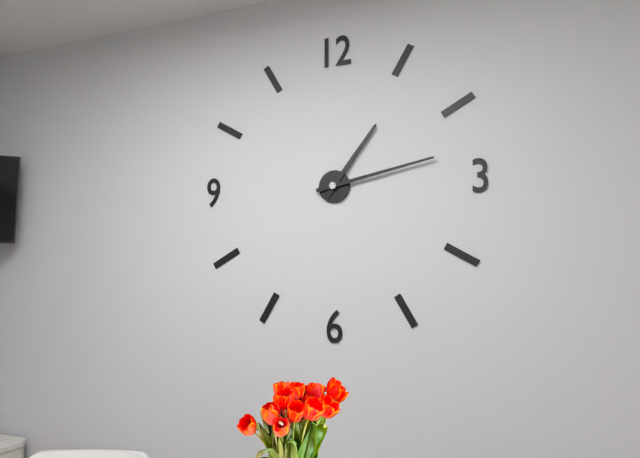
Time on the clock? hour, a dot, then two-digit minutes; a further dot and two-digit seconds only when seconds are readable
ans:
1.13
